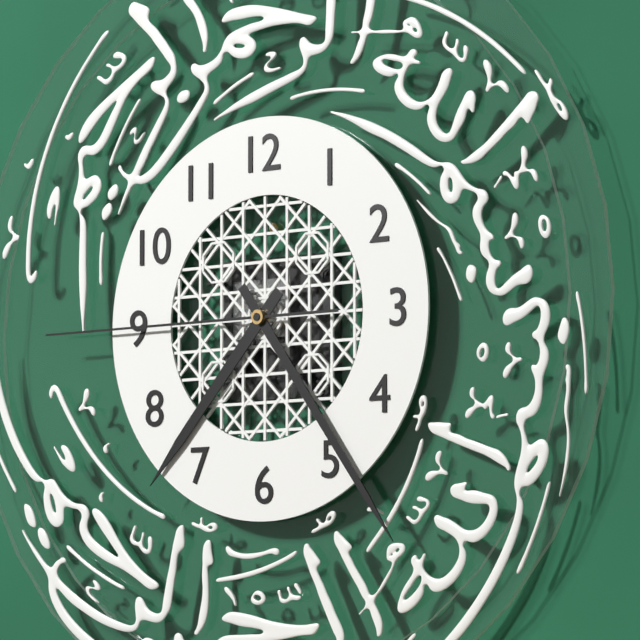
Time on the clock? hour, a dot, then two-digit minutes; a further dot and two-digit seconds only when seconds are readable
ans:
7.24.45
